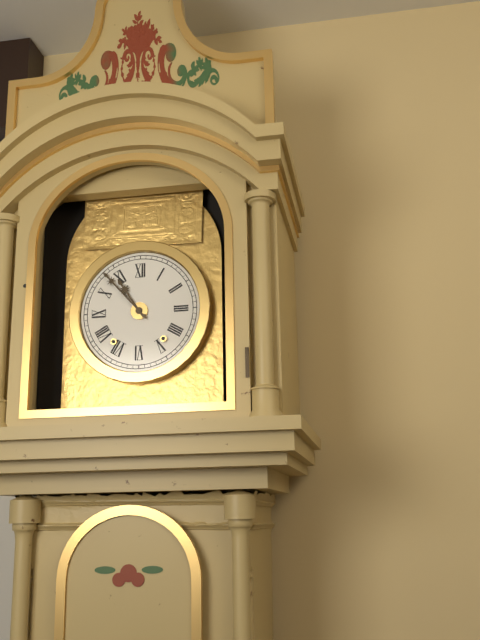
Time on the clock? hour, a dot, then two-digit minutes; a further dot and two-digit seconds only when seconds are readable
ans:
10.53
